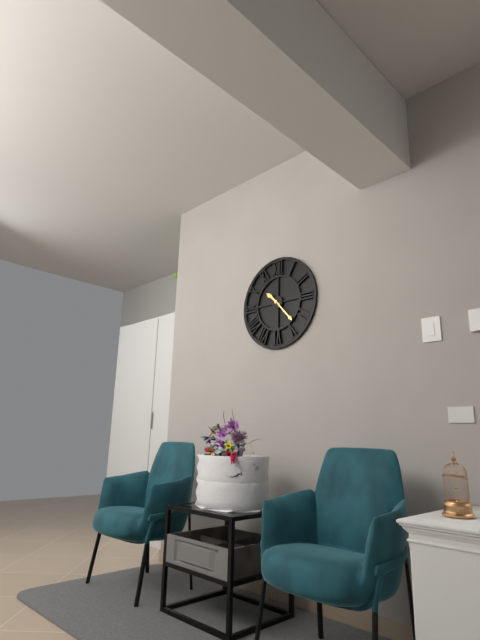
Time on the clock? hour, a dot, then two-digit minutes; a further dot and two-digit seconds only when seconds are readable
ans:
10.23
